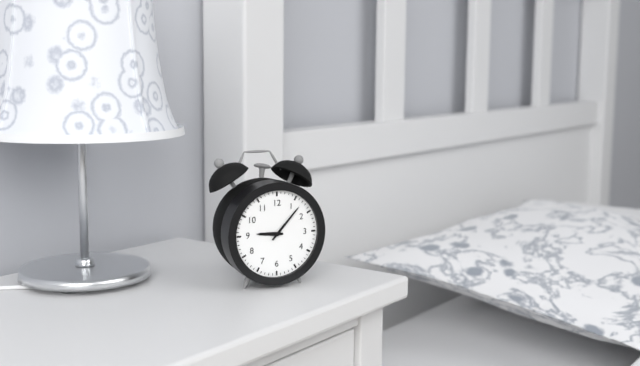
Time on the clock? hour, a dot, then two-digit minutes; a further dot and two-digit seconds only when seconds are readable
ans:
9.07
